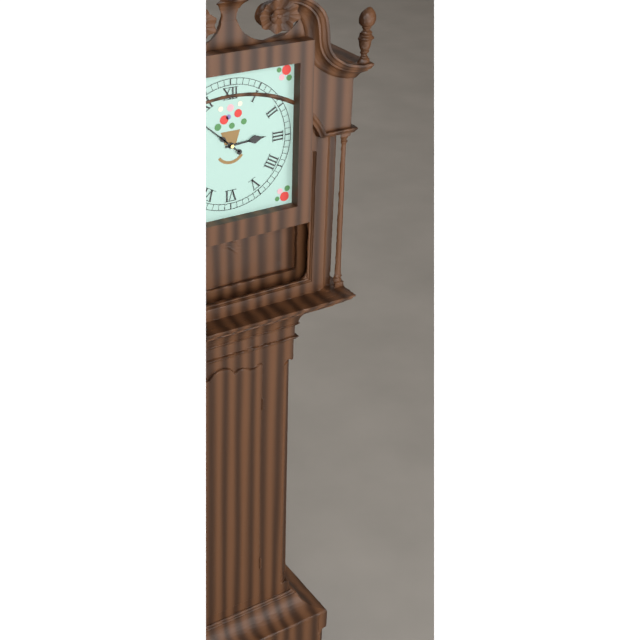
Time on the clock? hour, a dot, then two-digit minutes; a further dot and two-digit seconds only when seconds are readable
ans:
2.52
